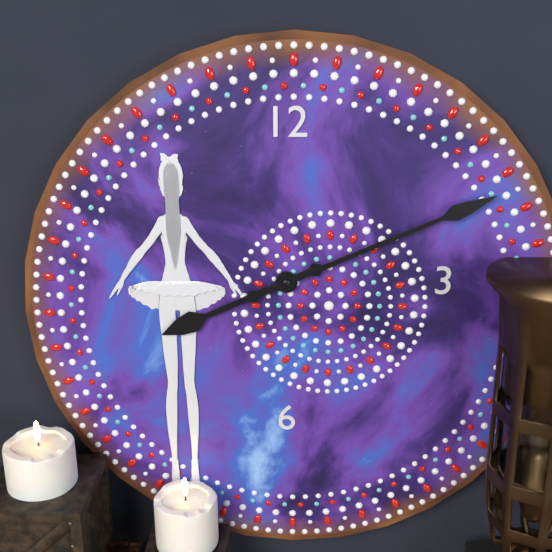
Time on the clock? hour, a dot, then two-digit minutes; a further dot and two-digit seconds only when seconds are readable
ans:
8.11
